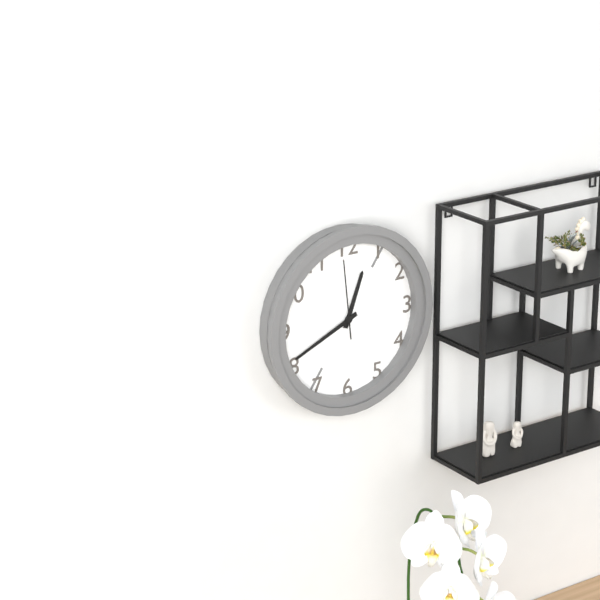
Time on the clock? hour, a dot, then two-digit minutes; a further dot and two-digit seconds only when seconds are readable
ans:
12.41.59
